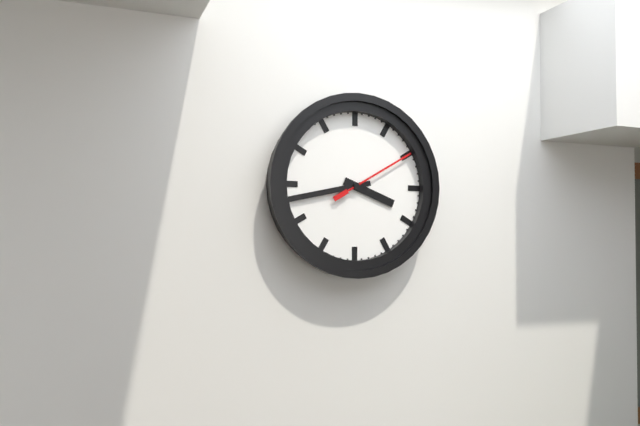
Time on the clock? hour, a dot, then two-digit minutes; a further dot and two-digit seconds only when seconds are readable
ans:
3.43.10
